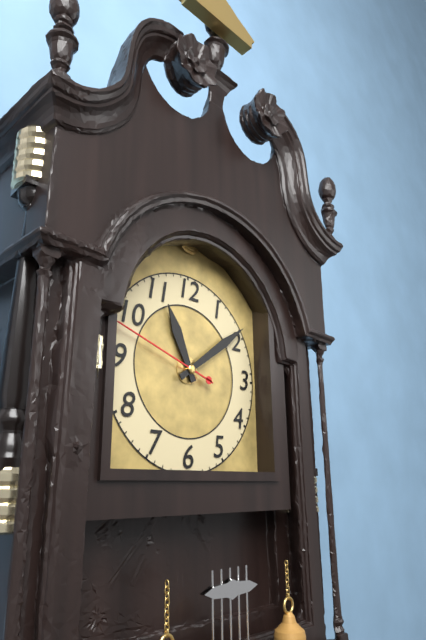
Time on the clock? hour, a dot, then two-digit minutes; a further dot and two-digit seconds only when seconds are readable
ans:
11.09.48
